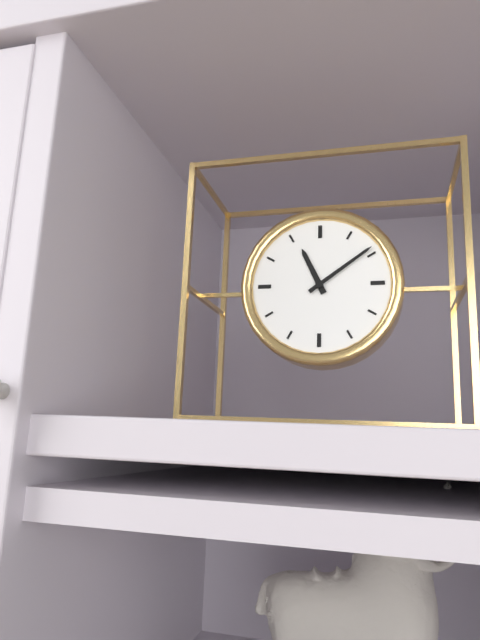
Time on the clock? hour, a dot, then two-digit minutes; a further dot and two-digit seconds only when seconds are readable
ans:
11.09
